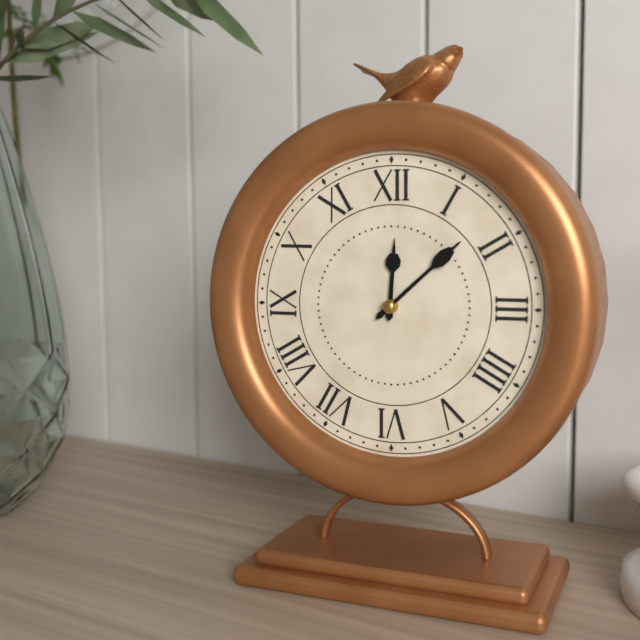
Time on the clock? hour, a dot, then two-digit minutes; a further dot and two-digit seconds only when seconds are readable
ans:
12.08
